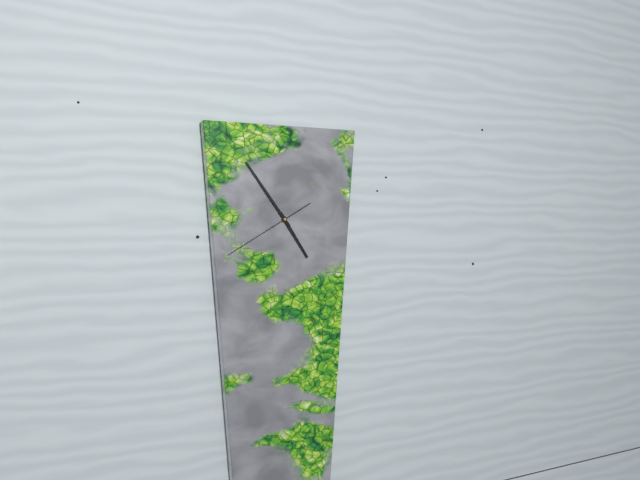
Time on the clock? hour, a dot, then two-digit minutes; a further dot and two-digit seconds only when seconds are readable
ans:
4.54.40
